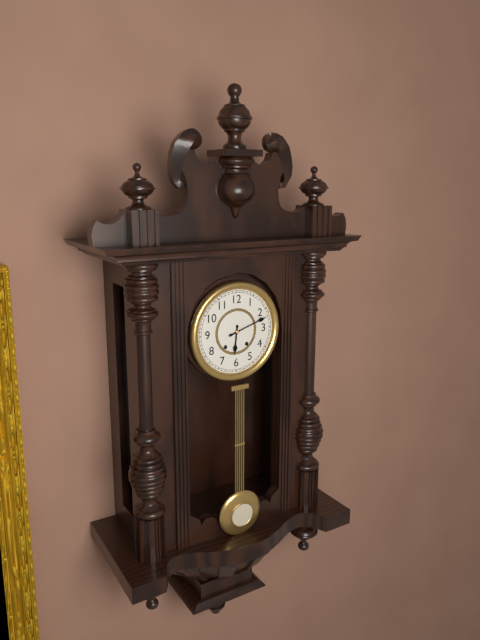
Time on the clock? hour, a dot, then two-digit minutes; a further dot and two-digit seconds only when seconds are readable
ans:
6.12
